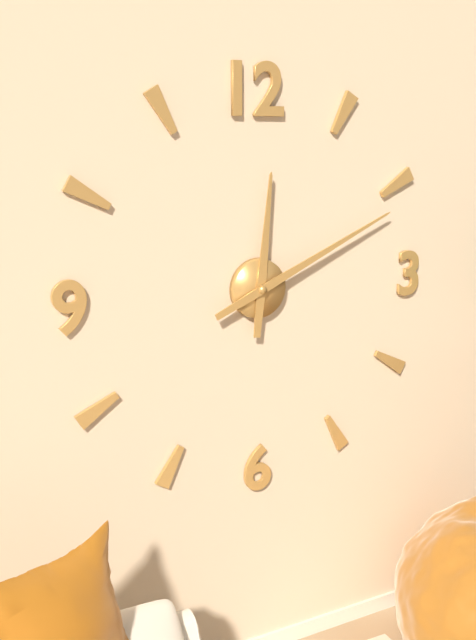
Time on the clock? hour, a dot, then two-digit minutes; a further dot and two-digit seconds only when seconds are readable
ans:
12.11
